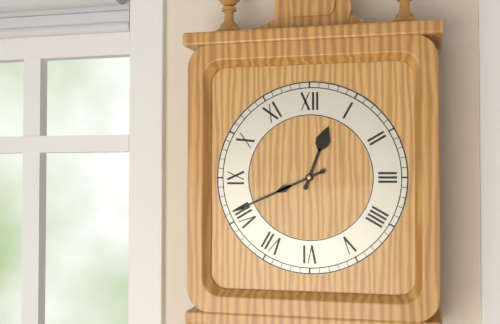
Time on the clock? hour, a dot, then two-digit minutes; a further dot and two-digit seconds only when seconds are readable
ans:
12.41
